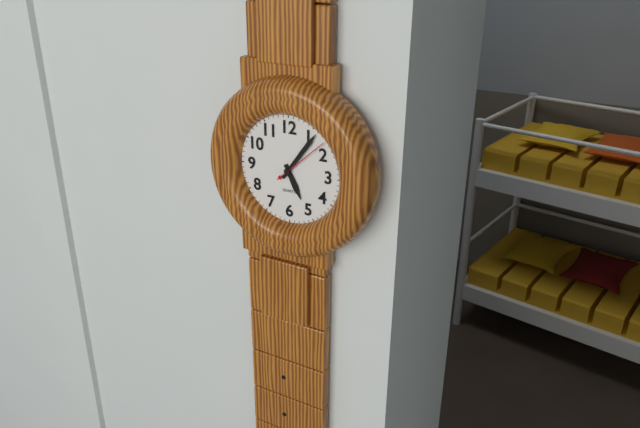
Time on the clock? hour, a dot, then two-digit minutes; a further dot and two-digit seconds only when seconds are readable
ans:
5.06
